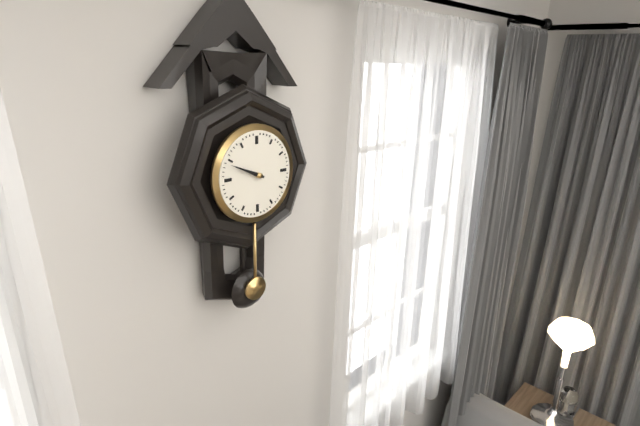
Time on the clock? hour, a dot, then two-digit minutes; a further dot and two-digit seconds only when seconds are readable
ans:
9.49
